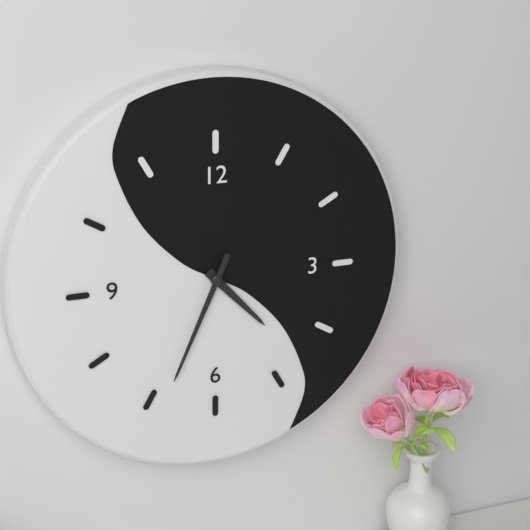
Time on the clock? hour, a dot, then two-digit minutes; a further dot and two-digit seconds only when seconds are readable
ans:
4.34
